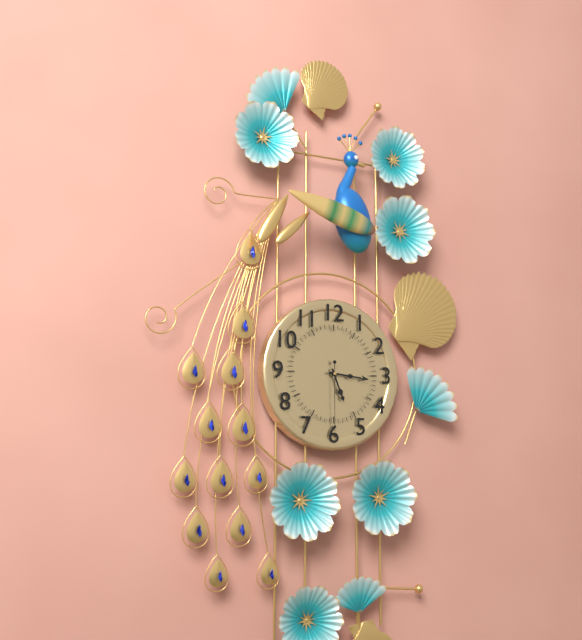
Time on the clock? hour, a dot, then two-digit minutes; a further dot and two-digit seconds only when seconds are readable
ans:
5.16.30
